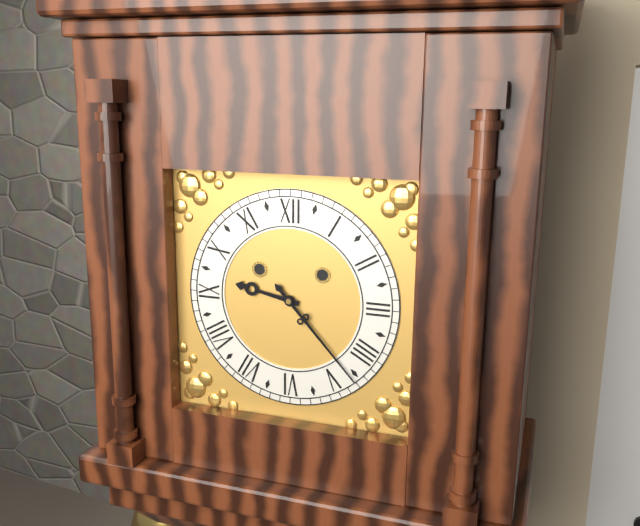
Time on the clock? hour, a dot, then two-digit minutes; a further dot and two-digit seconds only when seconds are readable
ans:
9.23
